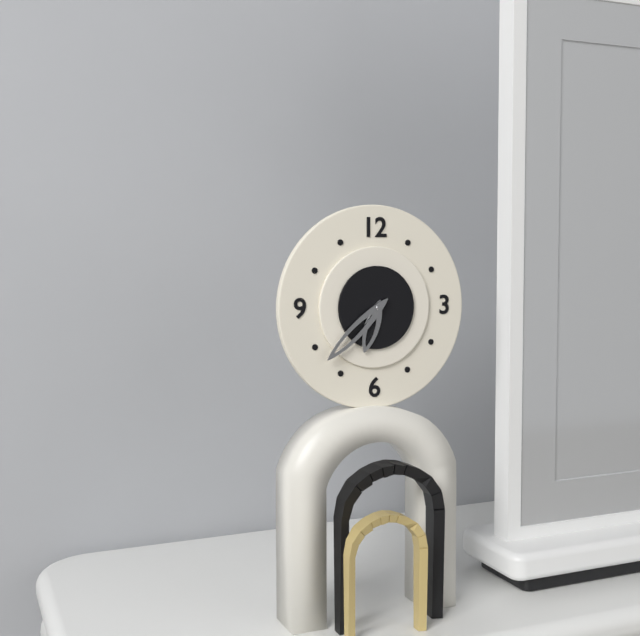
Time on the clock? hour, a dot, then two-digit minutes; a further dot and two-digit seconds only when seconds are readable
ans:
6.38
